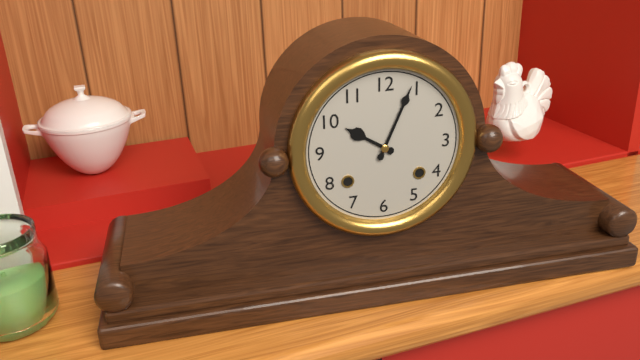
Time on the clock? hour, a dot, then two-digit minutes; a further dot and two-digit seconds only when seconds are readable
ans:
10.04
